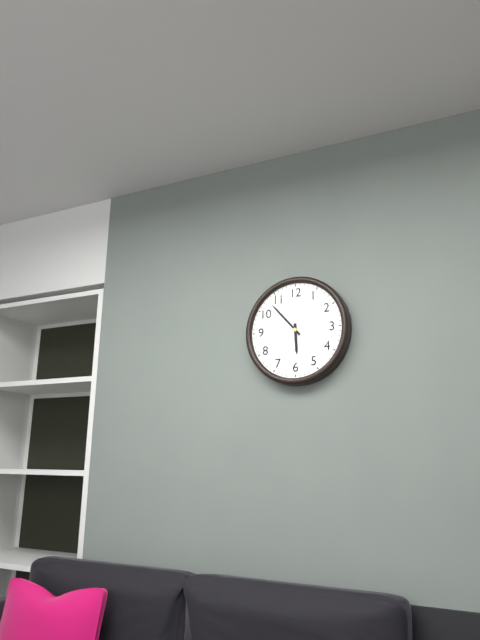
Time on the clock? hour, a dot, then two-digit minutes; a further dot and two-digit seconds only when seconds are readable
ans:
5.53
